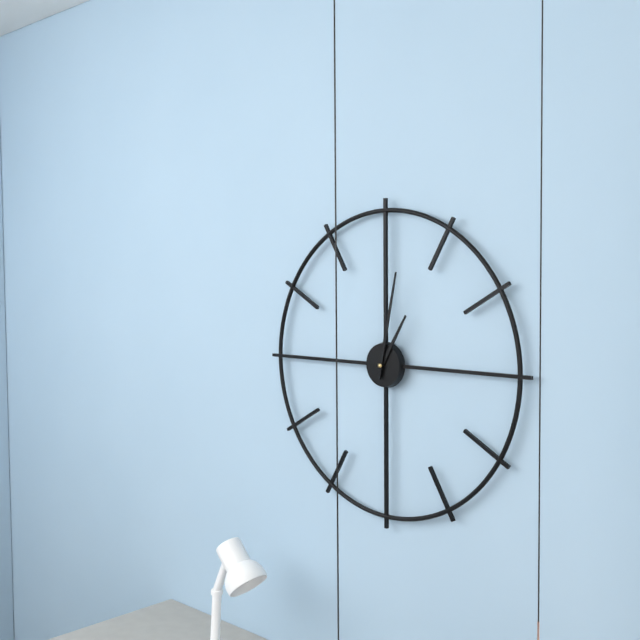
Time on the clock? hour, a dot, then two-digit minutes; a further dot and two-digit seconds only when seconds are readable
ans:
1.02
